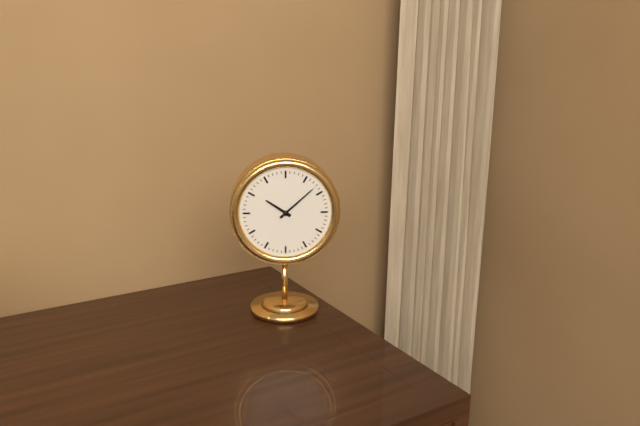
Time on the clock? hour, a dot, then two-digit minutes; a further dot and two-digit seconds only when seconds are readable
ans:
10.08
